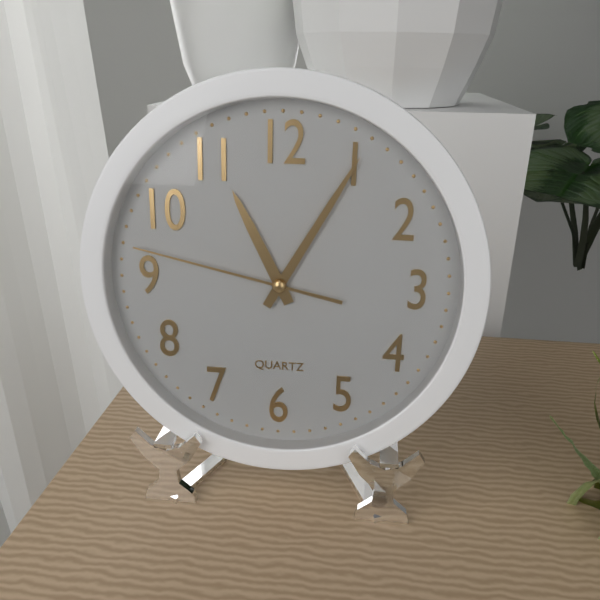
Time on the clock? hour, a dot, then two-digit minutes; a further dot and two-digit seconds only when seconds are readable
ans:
11.05.47
